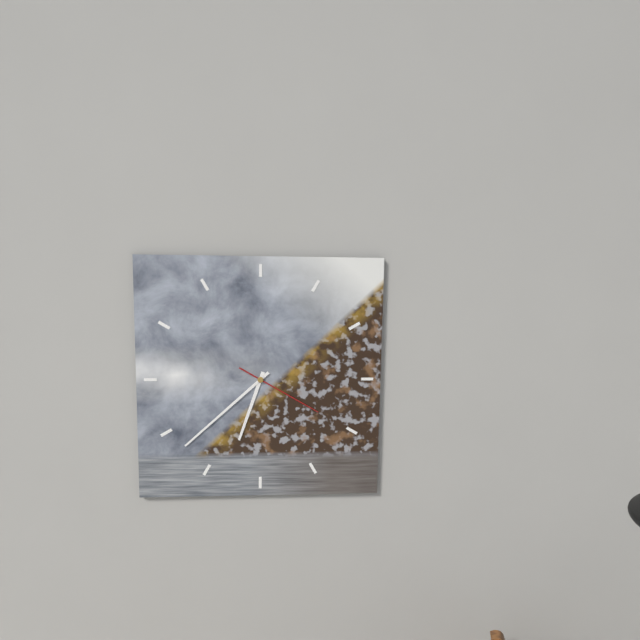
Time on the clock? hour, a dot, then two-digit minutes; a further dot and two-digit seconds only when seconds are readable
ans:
6.38.20
